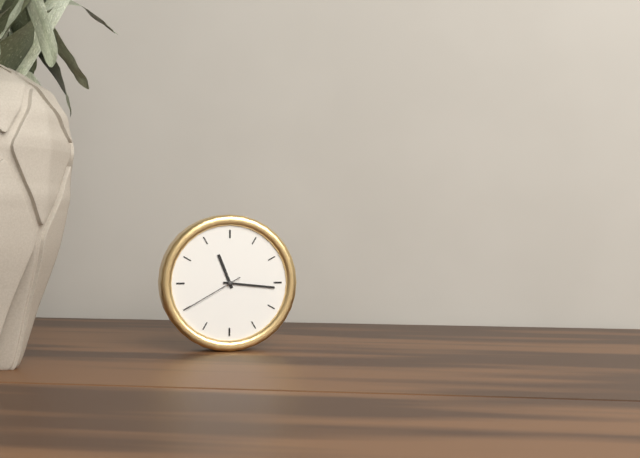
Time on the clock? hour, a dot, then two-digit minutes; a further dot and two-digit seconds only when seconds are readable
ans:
11.16.40
